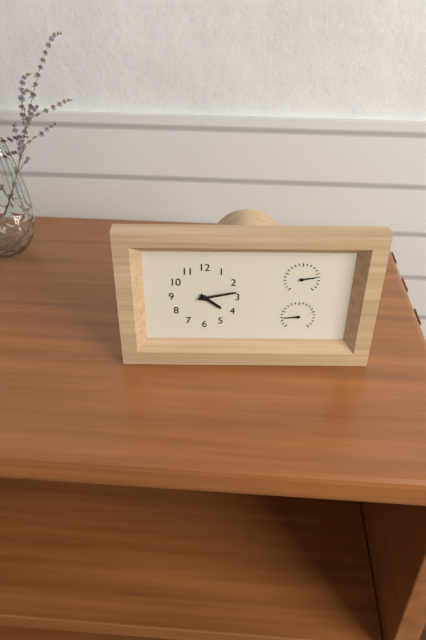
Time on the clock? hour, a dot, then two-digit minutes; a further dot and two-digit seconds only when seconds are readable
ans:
4.13
